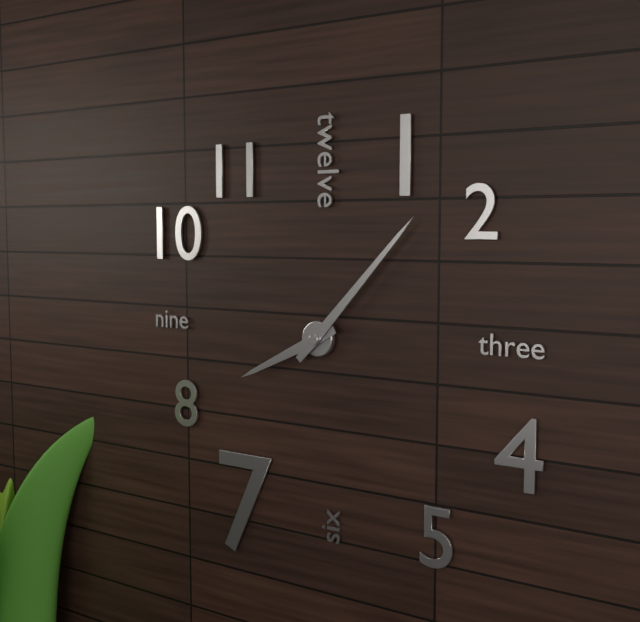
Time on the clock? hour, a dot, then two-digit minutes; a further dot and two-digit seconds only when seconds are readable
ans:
8.07
